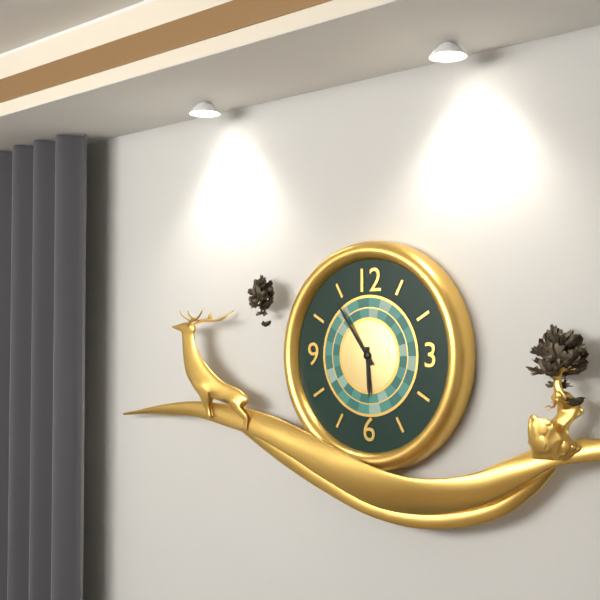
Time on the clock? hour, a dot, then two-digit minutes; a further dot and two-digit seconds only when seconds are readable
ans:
5.54
